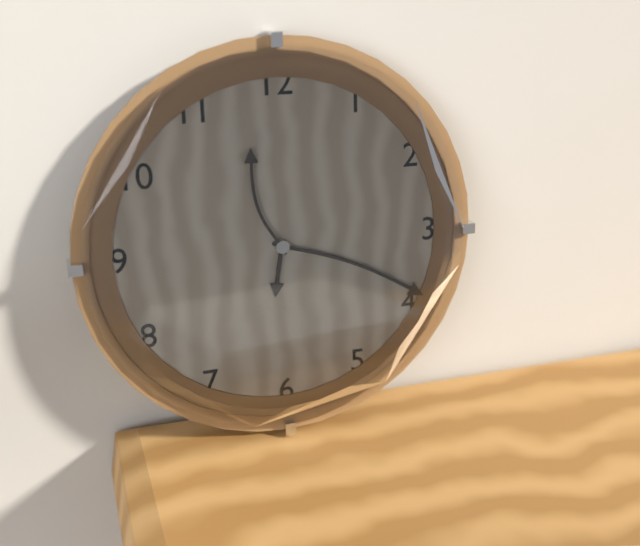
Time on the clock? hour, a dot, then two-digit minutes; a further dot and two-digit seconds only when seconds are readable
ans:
6.19.57
